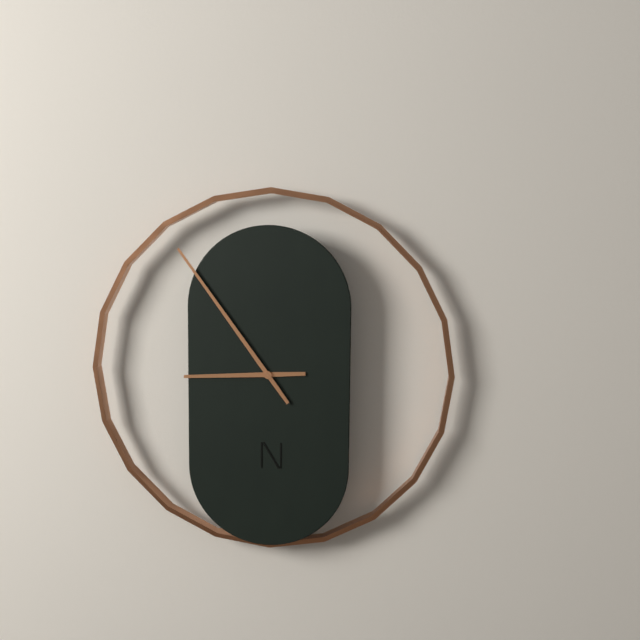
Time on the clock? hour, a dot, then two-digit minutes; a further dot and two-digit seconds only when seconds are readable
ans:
8.54
